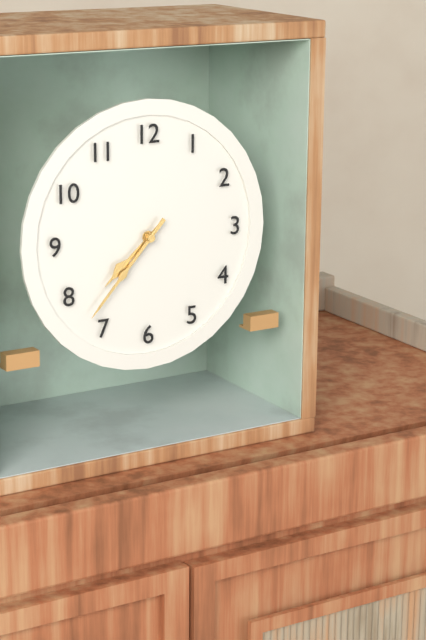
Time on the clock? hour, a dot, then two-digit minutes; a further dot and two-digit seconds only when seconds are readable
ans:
7.37
